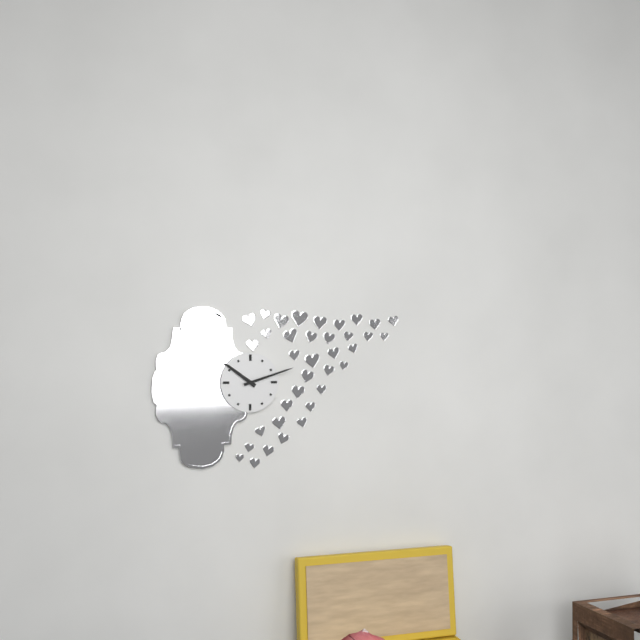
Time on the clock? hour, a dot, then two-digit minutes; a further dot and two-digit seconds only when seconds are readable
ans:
10.12
